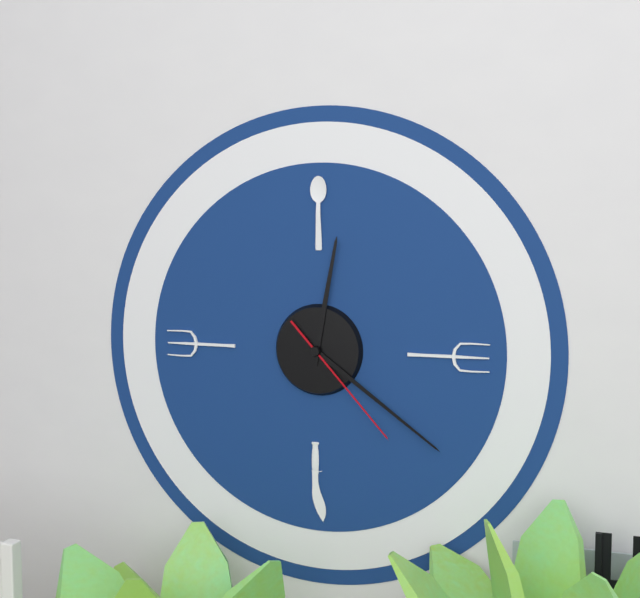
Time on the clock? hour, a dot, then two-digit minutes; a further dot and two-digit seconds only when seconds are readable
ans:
12.21.23
